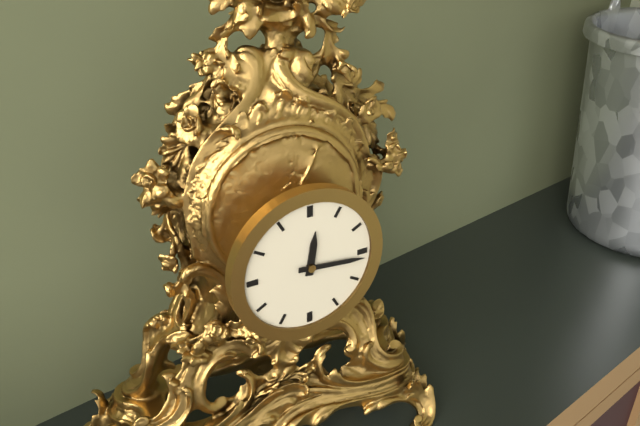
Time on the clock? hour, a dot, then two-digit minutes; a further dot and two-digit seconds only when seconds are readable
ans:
12.16
